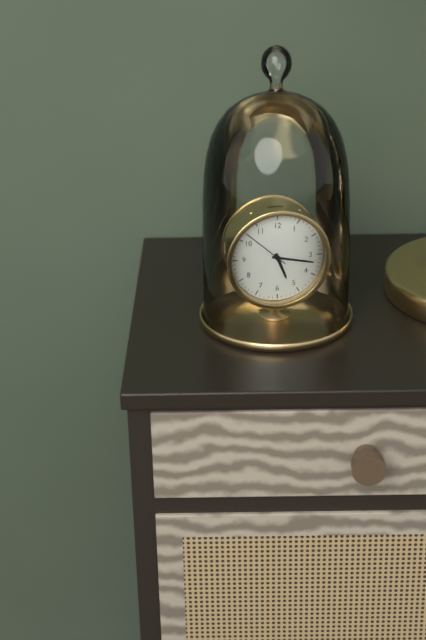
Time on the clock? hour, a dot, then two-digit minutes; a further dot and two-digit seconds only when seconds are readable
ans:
5.17
